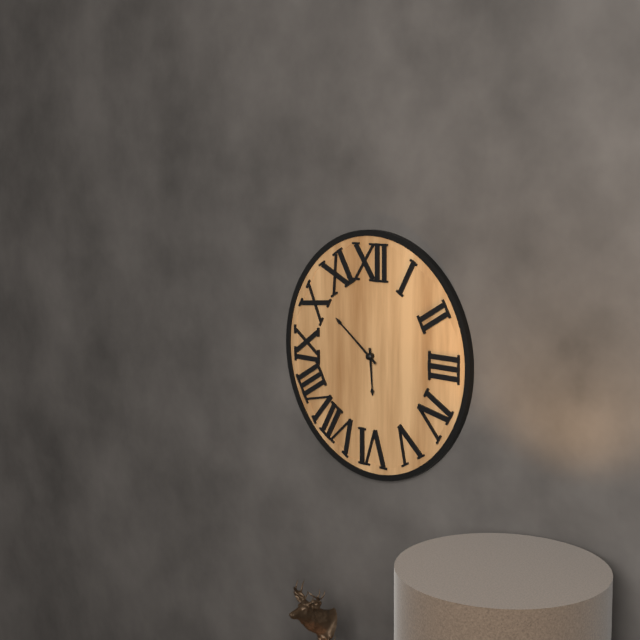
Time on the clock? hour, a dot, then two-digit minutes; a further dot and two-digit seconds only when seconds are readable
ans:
5.51
